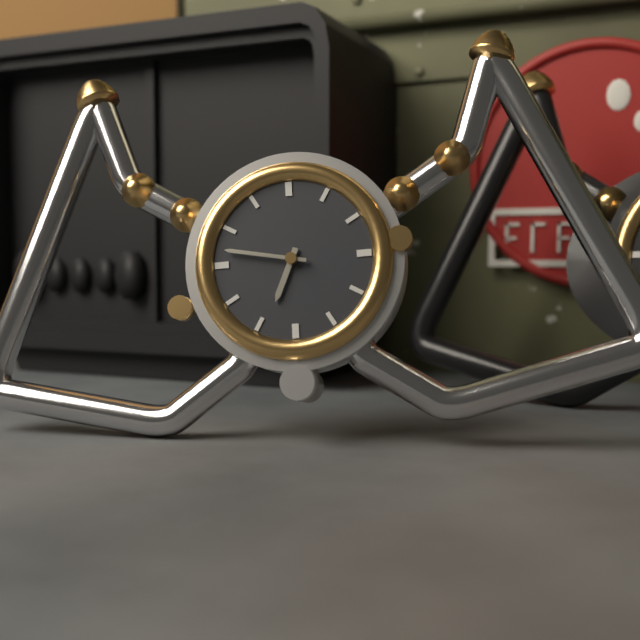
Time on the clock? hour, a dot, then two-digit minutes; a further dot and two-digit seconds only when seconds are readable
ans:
6.47
